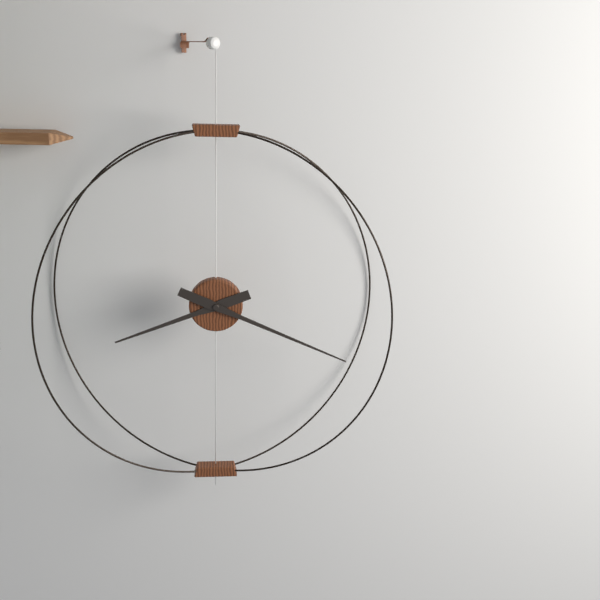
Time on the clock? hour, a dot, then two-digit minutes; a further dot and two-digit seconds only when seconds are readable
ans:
8.19
